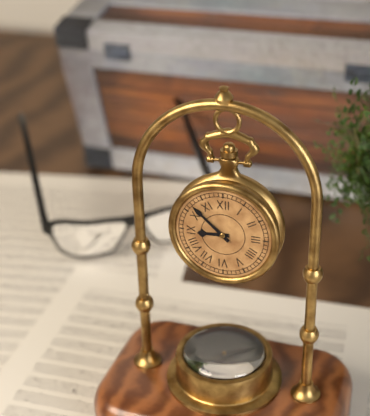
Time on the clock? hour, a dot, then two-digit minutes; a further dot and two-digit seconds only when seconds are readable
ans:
8.52
